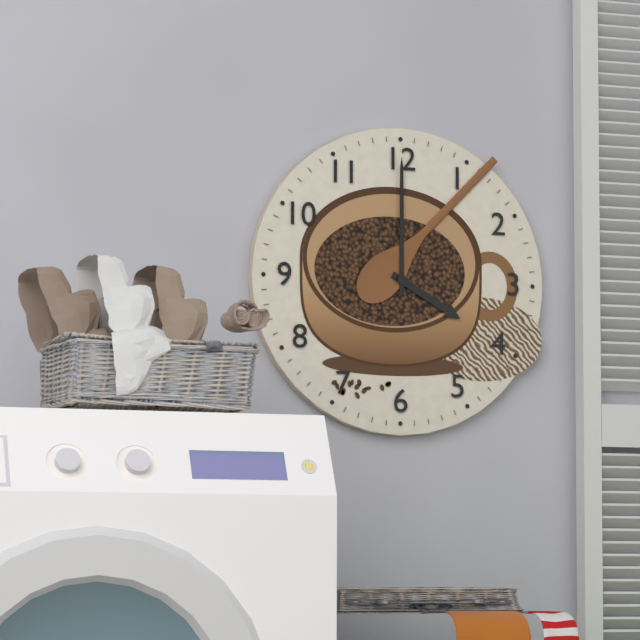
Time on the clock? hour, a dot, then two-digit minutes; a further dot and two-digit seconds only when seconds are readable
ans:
4.00
